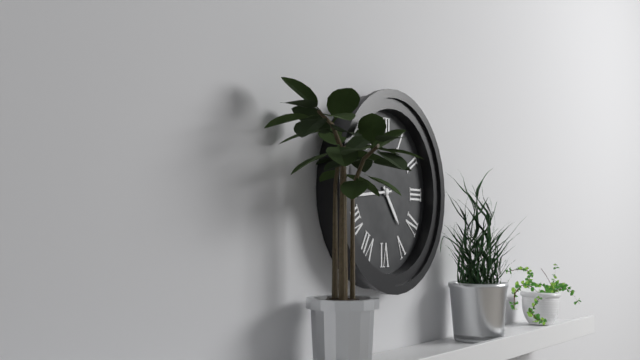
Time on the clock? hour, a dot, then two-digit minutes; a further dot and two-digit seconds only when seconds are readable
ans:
4.44
